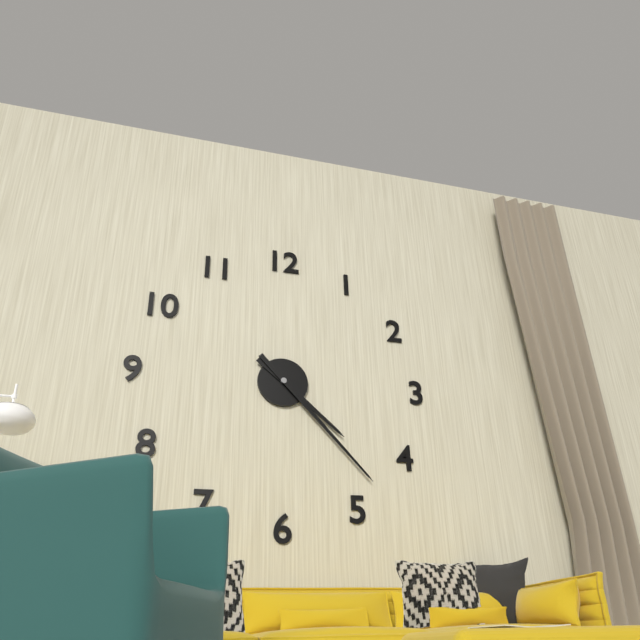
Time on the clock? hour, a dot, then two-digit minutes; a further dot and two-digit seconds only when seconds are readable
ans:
4.23
